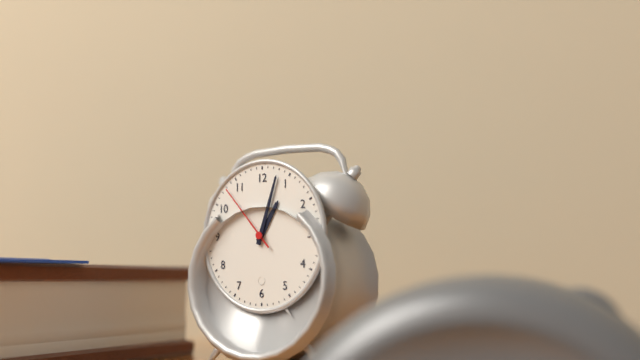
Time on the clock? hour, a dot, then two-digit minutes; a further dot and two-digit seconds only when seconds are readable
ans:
1.03.53
